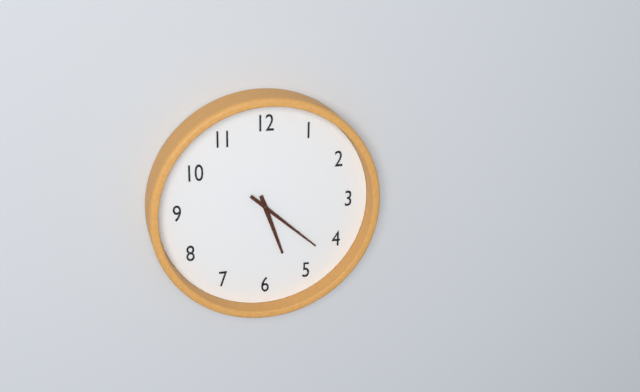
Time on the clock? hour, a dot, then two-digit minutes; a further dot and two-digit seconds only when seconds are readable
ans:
5.22
